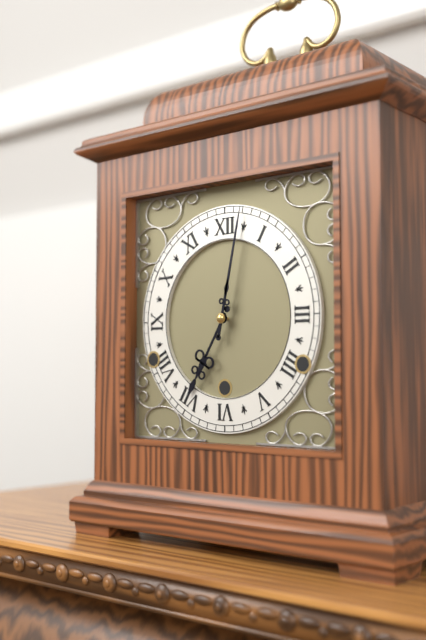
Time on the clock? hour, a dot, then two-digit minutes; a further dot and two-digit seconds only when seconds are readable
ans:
7.02
